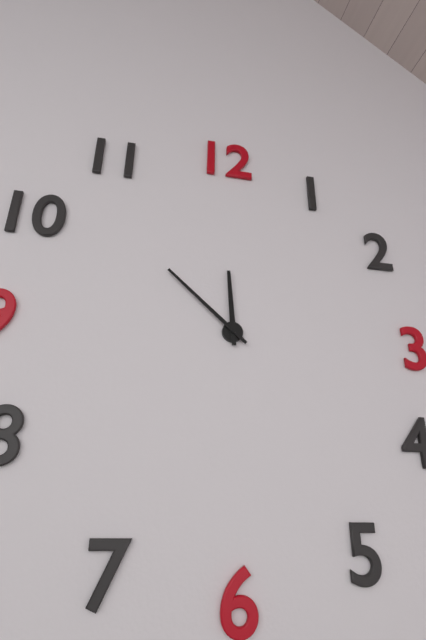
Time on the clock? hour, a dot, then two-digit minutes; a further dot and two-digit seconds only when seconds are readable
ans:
11.52
